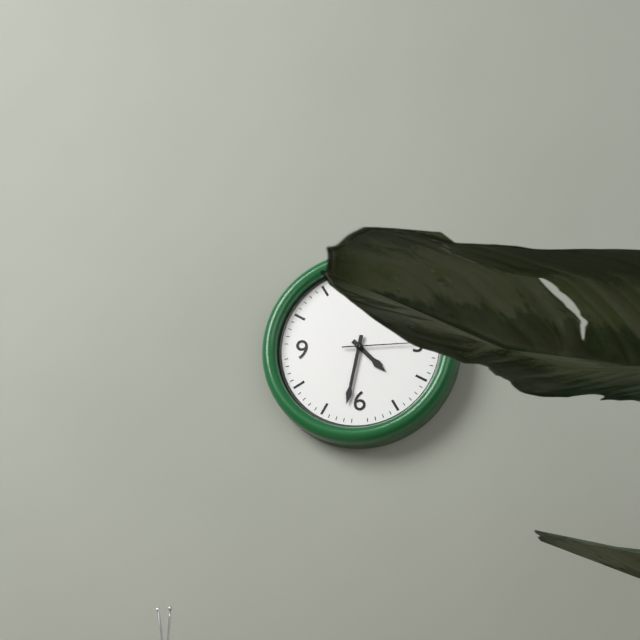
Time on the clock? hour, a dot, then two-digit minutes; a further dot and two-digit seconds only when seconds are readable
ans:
4.32.15
